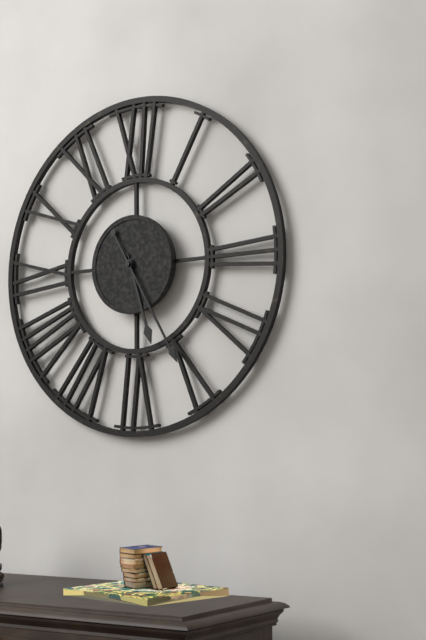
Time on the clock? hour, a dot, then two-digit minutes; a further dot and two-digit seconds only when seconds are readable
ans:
5.25
